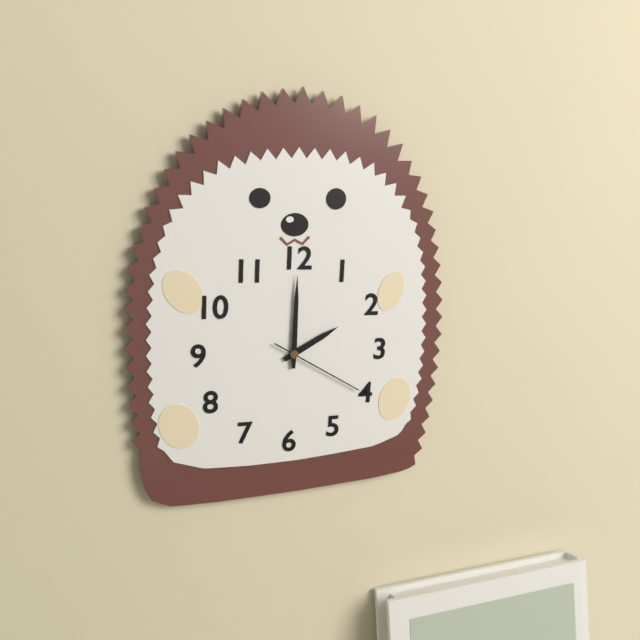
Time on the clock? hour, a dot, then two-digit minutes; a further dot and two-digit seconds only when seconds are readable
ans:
2.00.20
